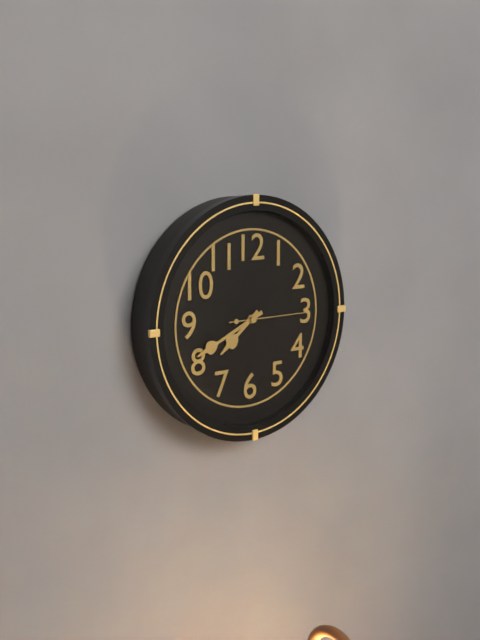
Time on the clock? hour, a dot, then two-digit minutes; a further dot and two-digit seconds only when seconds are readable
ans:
7.41.15
